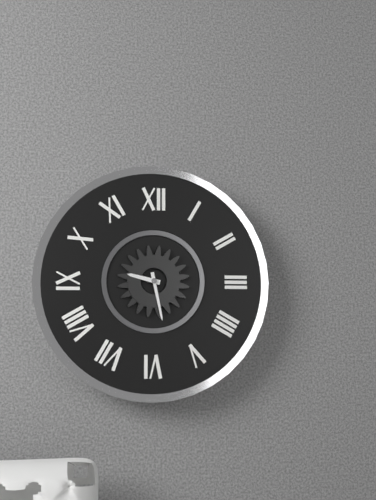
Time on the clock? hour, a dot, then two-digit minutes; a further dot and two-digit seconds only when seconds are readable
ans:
9.28
